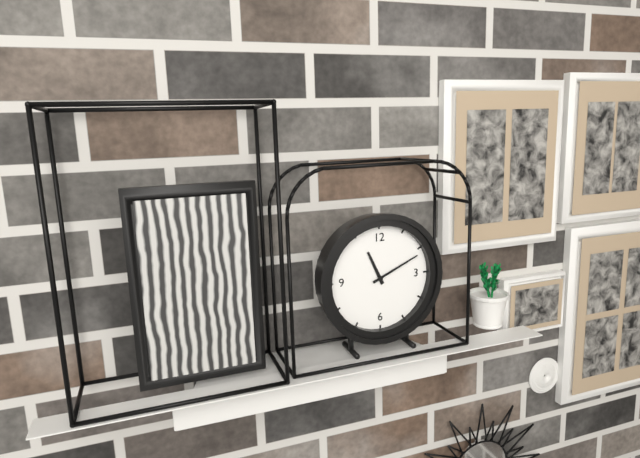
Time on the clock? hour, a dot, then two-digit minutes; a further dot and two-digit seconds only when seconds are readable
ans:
11.11
